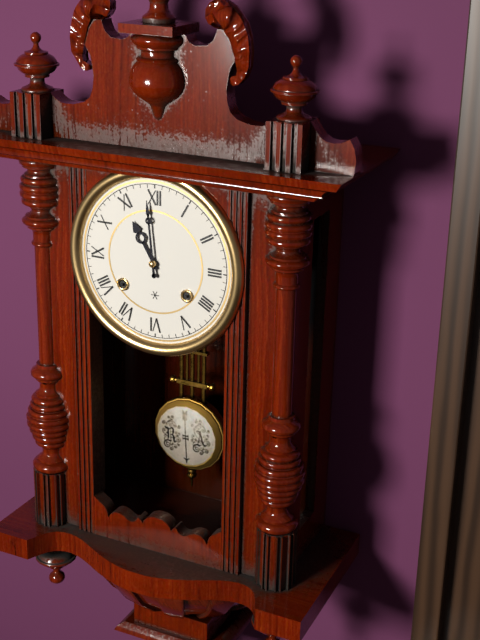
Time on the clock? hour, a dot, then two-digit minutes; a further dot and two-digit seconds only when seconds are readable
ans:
10.59
